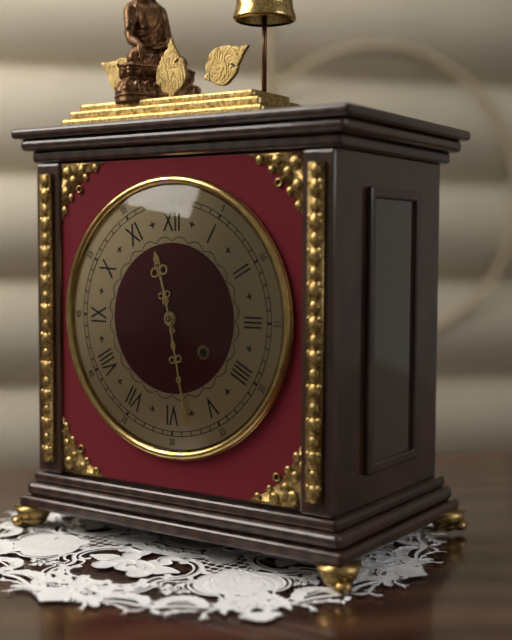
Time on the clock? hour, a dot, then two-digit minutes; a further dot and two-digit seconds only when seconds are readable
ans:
11.28
